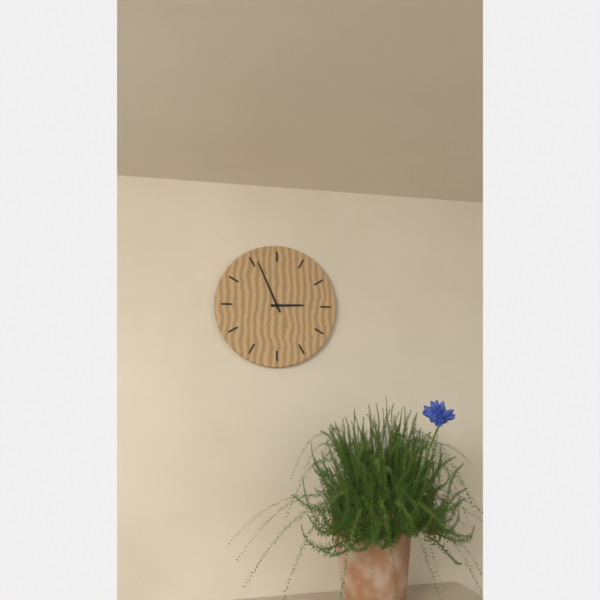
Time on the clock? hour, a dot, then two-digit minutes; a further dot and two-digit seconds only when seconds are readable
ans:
2.56
